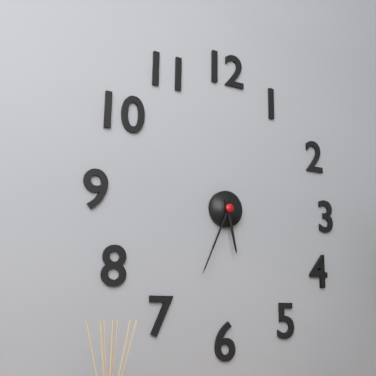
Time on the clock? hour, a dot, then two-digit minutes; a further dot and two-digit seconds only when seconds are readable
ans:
5.34
